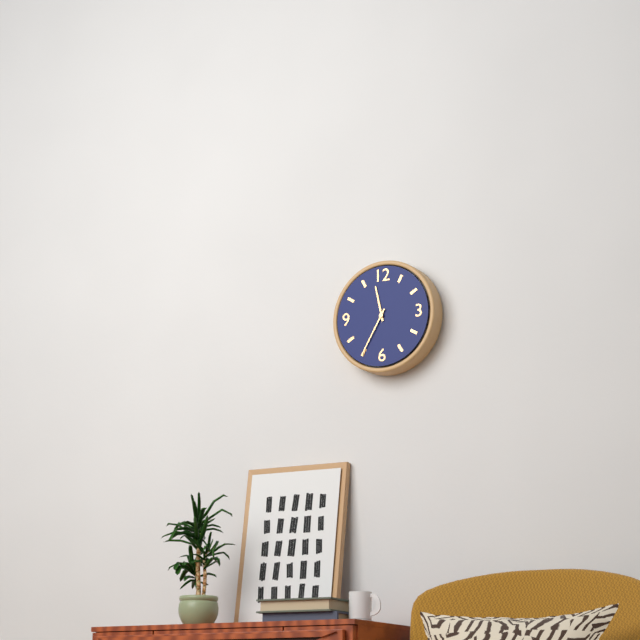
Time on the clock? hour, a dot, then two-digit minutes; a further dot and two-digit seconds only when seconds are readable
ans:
11.35
